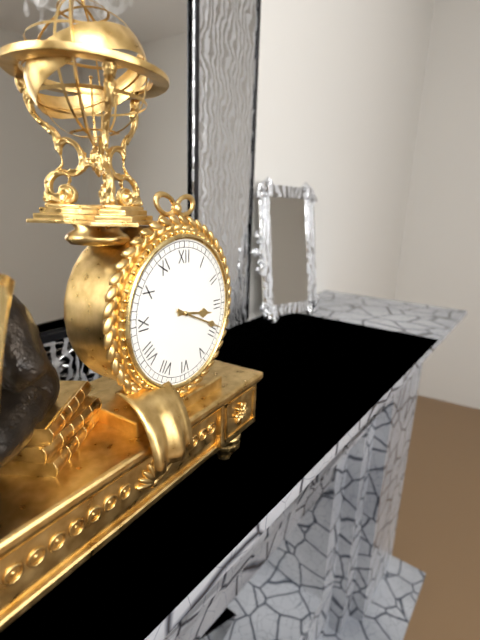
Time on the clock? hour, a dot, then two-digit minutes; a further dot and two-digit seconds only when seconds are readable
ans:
3.19
